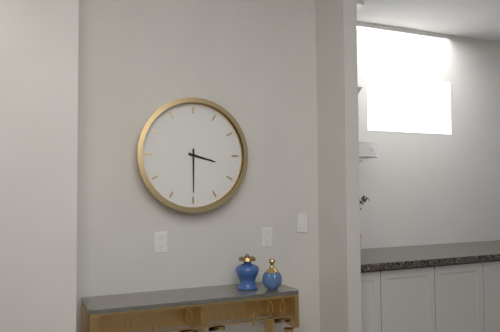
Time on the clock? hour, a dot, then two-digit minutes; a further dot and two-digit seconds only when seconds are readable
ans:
3.30
